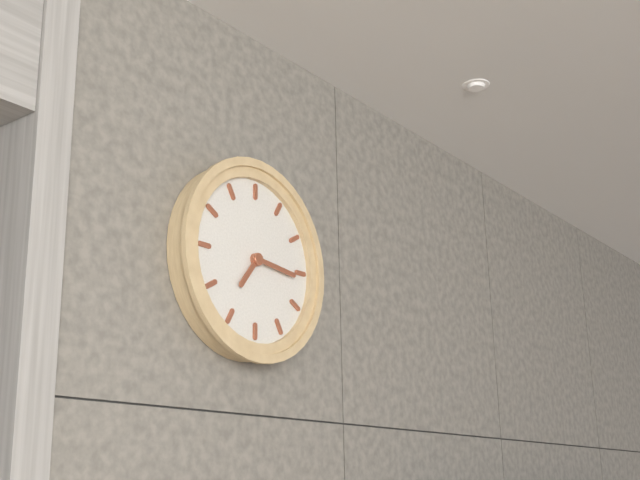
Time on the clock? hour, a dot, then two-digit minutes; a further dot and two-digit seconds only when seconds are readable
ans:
7.16
